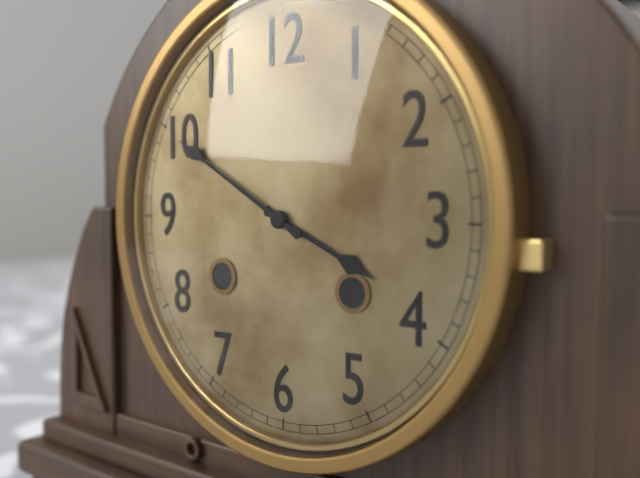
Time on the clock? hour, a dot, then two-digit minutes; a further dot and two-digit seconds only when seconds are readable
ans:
3.50
